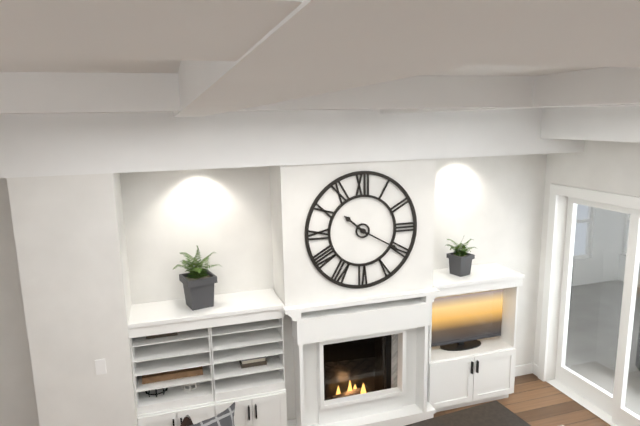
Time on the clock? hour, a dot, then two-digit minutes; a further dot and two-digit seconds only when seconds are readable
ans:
10.20
